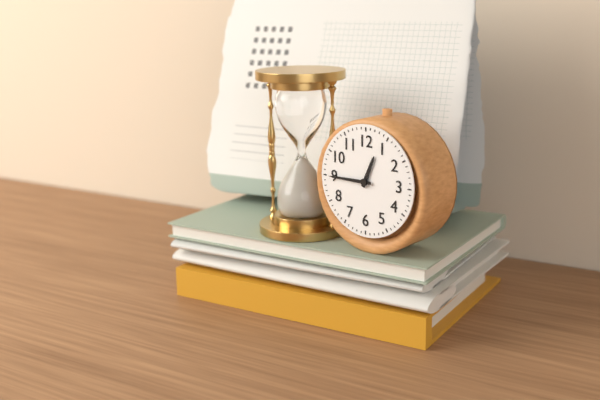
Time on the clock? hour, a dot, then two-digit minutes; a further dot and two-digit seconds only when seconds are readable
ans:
12.45
